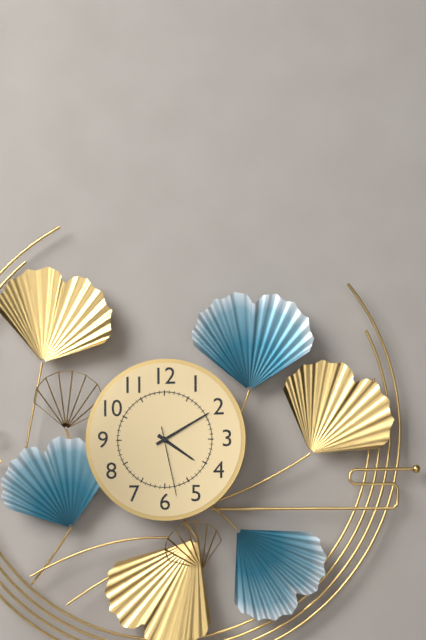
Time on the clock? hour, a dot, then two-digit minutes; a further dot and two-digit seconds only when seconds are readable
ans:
4.10.28
